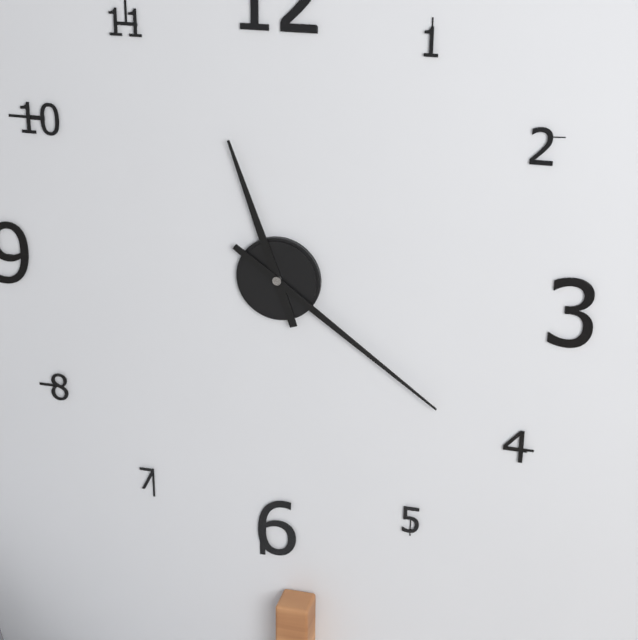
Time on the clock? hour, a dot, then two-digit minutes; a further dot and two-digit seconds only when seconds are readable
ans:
11.21
